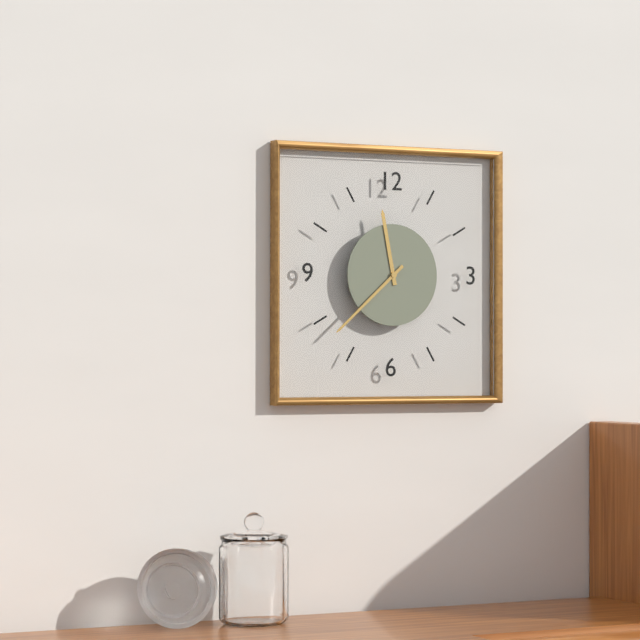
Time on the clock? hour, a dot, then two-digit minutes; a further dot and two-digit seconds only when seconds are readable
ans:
11.38
